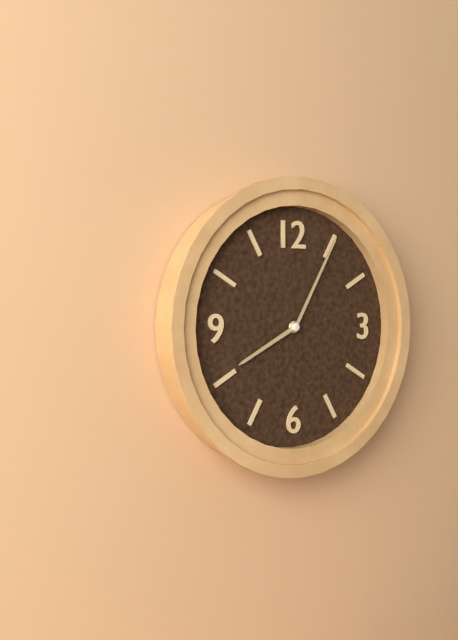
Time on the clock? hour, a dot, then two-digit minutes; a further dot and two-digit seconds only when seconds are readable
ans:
8.05
